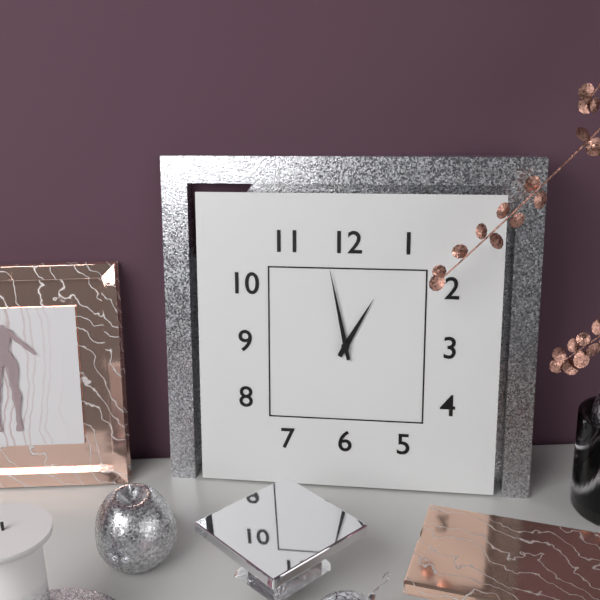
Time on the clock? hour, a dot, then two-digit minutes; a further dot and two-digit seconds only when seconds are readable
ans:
12.58
